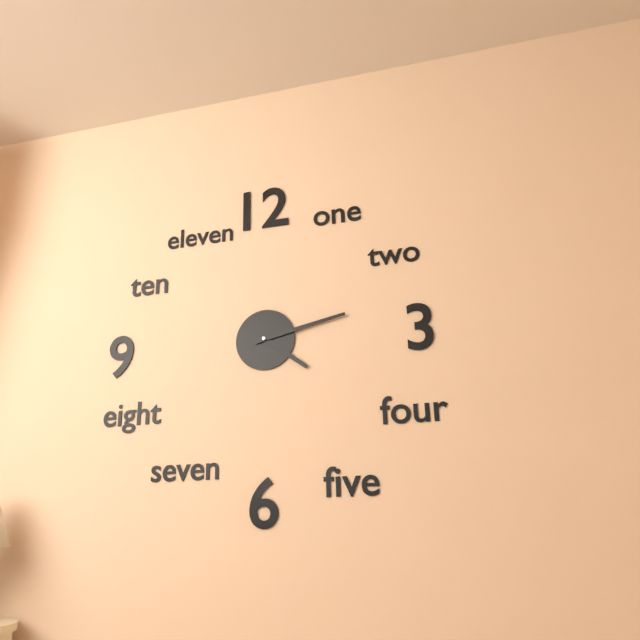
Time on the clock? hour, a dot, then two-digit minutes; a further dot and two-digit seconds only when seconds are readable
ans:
4.13
